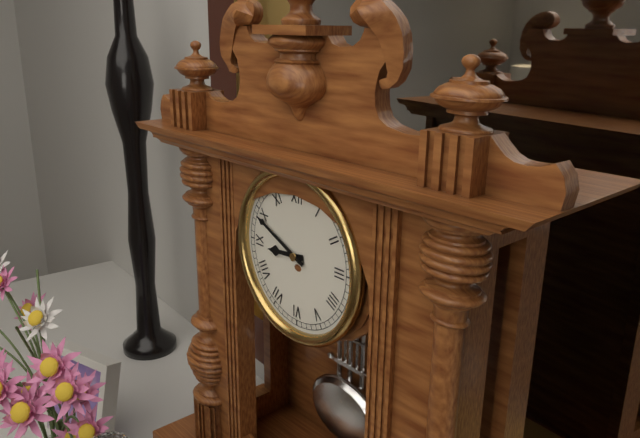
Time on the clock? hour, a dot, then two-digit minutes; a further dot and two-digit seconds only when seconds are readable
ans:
8.49
